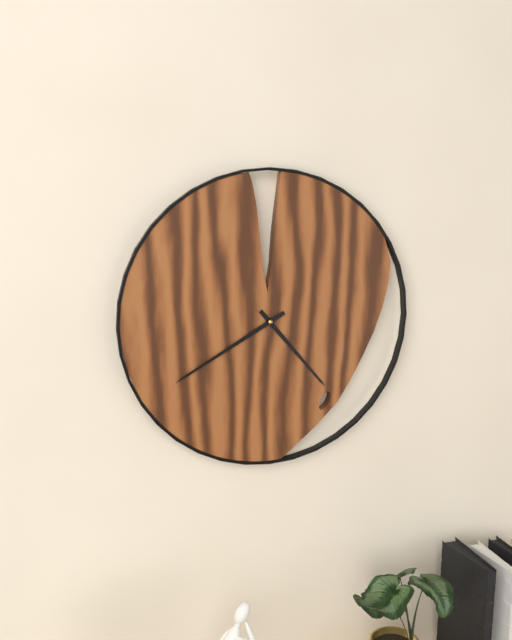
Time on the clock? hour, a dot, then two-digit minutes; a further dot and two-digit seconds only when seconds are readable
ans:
4.40
